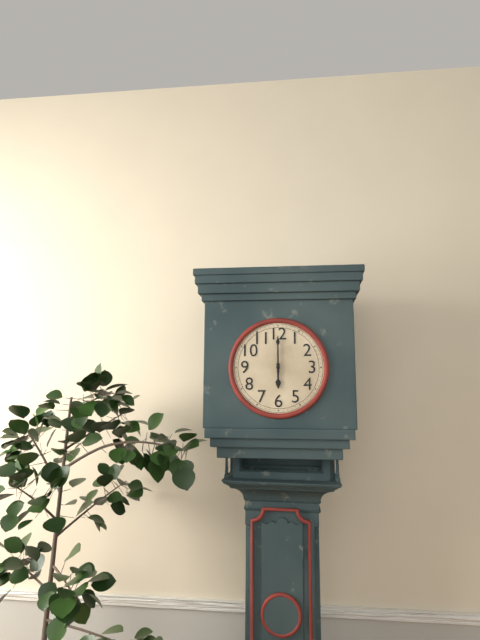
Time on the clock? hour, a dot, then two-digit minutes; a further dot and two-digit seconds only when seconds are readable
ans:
6.00
